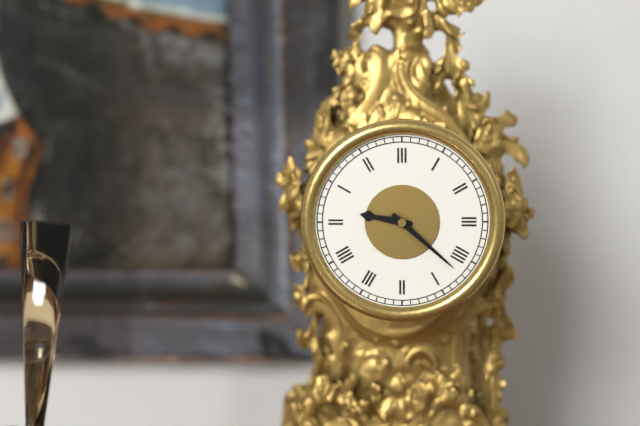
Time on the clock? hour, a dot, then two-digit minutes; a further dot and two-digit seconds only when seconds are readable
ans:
9.22
